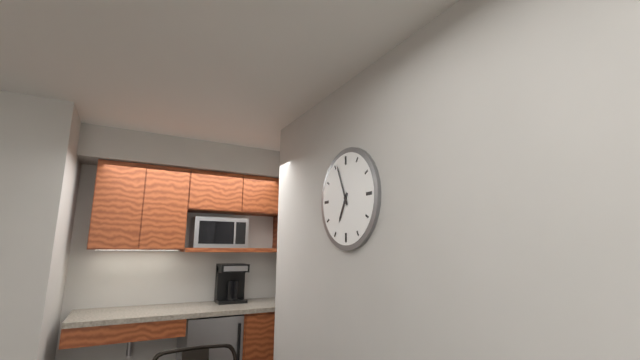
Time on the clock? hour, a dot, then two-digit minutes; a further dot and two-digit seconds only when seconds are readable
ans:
6.56
